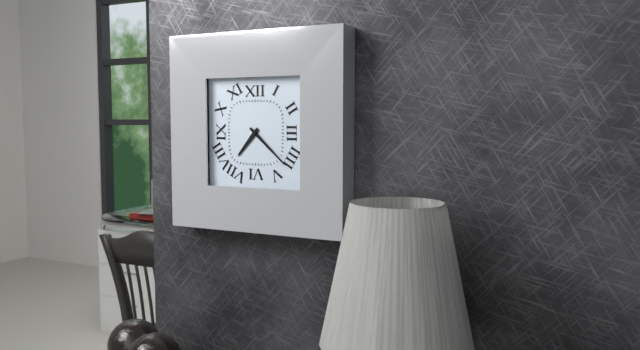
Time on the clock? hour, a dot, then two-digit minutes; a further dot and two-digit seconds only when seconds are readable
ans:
7.22
